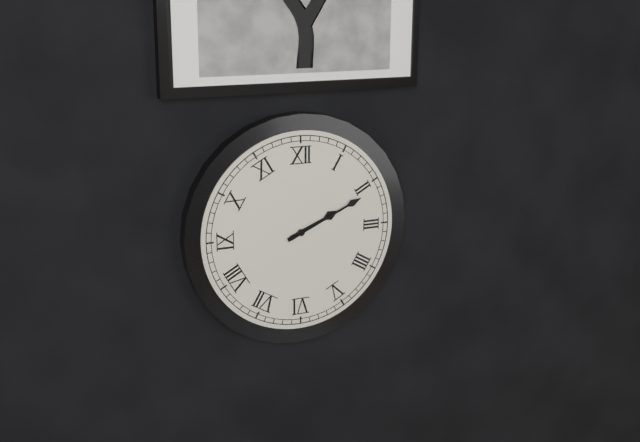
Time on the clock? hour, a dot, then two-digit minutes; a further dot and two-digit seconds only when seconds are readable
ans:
2.11
